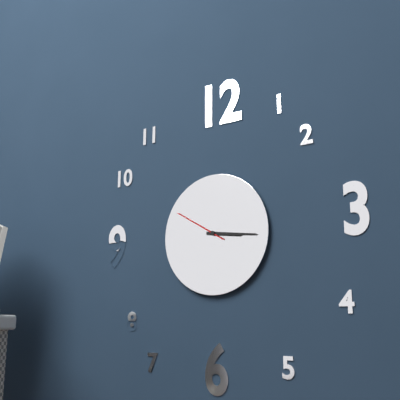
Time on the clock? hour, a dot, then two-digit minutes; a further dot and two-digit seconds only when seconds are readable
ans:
3.16.50
